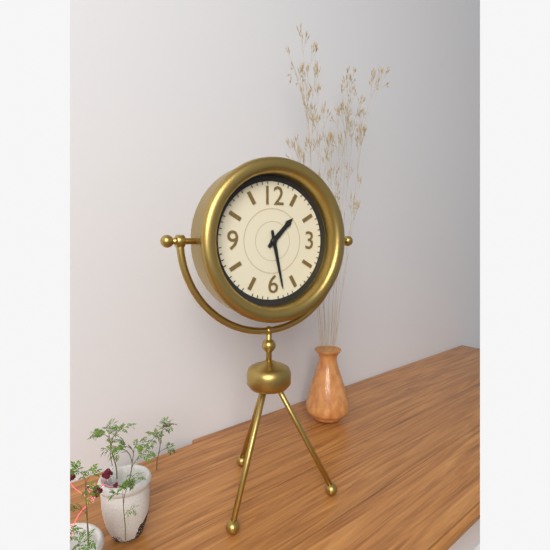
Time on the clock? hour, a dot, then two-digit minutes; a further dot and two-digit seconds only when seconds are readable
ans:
1.28
